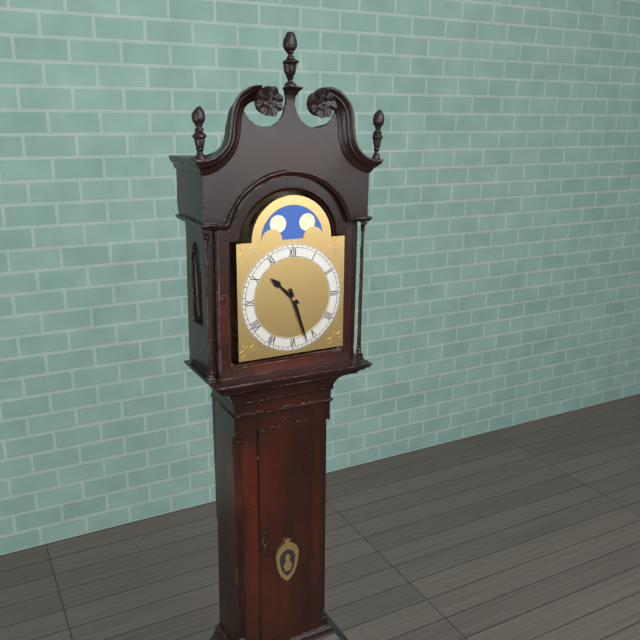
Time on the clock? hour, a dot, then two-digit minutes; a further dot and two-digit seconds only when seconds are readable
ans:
10.27
